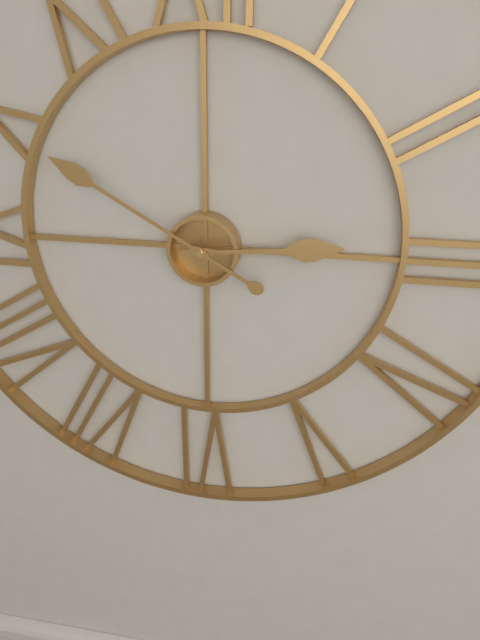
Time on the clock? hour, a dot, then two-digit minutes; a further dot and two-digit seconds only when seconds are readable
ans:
2.50
